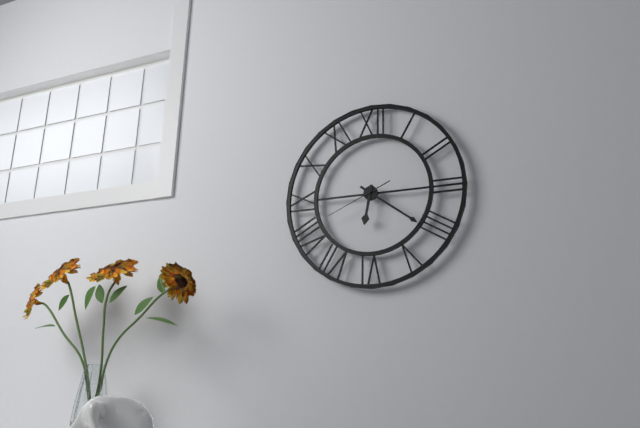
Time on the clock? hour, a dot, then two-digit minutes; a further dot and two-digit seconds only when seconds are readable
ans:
6.21.41
